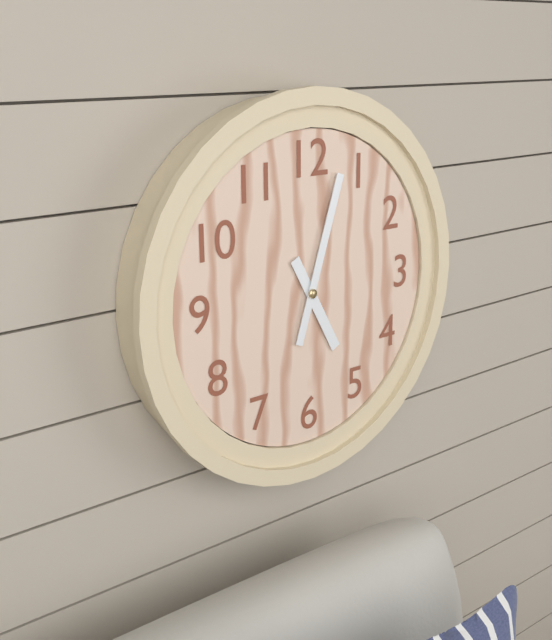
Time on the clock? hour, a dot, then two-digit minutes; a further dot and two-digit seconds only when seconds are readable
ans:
5.03
